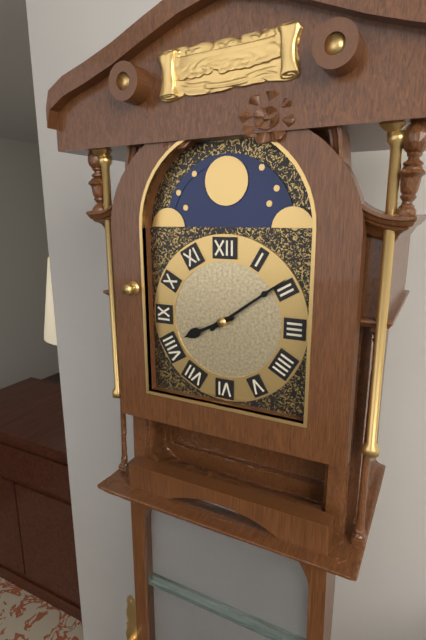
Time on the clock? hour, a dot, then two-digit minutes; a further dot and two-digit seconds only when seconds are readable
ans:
8.09
